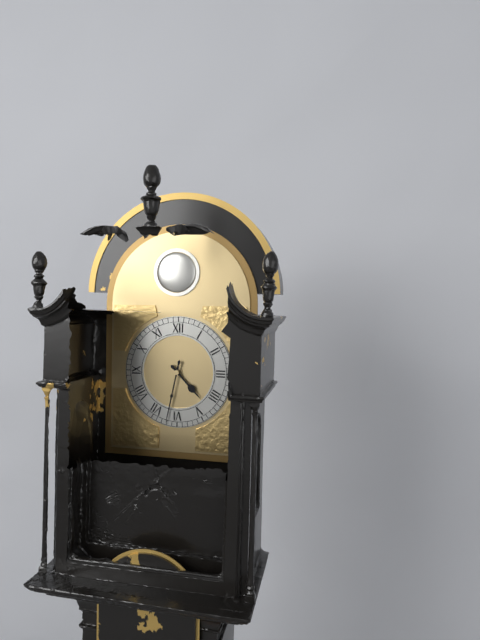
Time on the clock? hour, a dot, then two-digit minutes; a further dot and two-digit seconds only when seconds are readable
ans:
4.32
